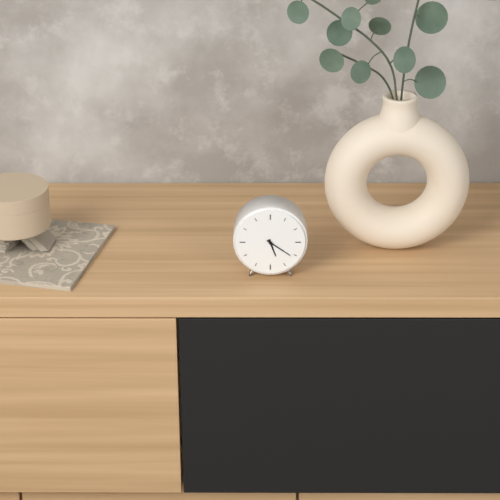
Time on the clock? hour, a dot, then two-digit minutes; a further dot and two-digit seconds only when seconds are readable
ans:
5.21
